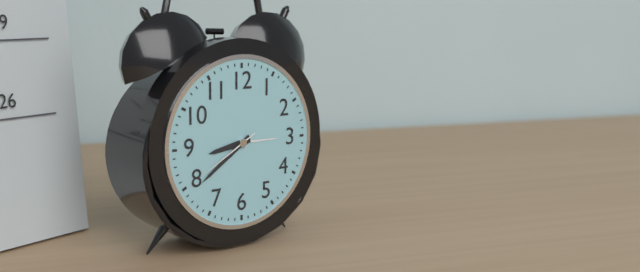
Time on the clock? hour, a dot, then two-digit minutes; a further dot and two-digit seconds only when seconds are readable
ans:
8.39.40
